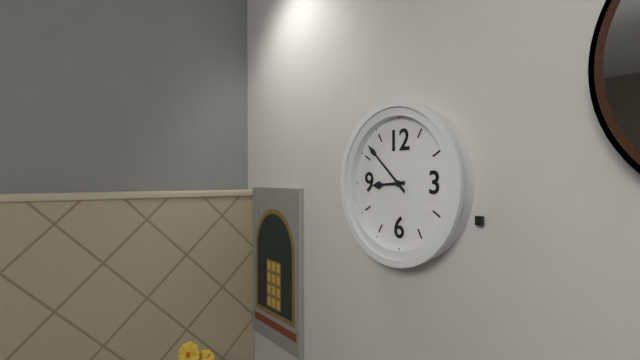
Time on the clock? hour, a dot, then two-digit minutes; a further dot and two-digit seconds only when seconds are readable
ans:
8.52
